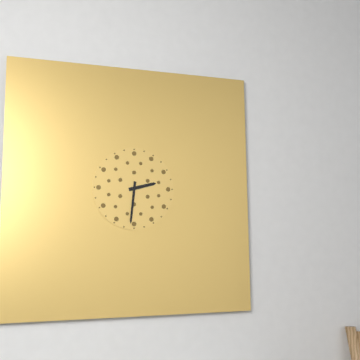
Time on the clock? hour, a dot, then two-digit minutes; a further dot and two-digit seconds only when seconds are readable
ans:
2.31
